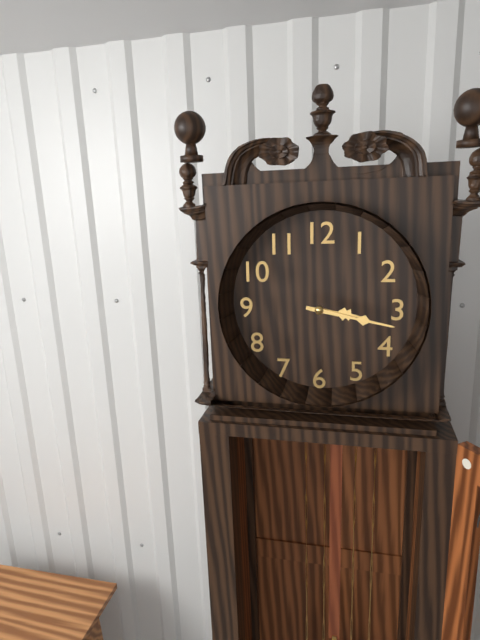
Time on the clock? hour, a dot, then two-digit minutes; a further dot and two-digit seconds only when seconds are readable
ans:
3.17
